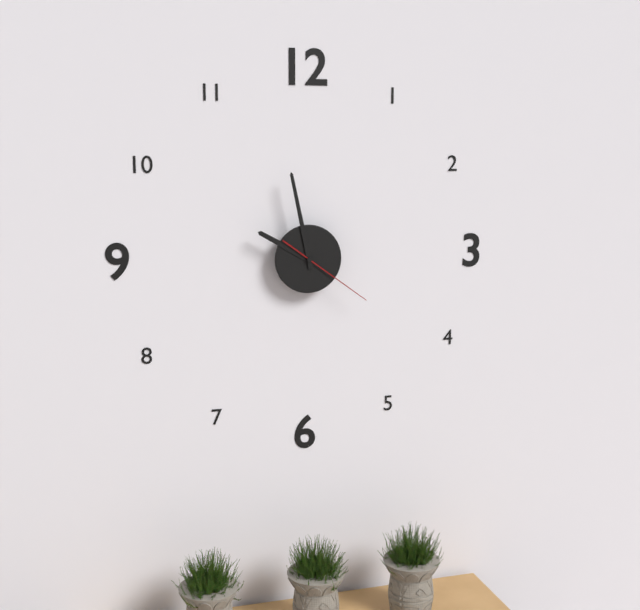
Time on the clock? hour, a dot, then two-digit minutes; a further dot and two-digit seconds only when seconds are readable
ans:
9.58.21
